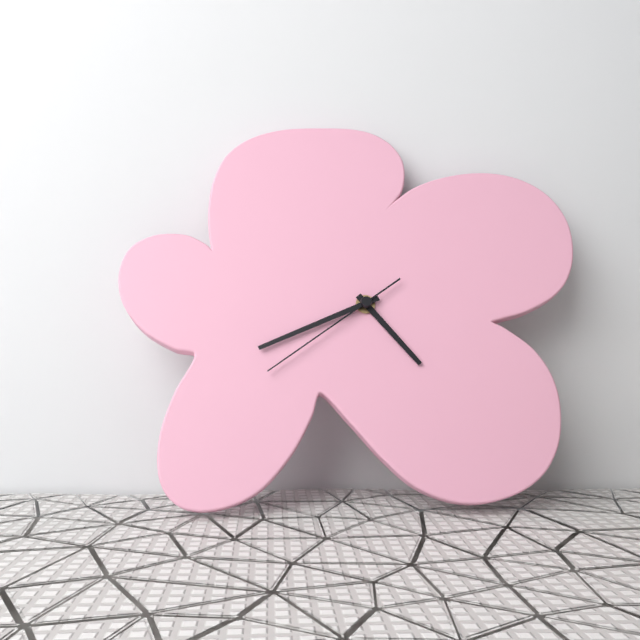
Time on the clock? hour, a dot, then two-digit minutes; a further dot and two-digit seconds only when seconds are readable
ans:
4.41.39
